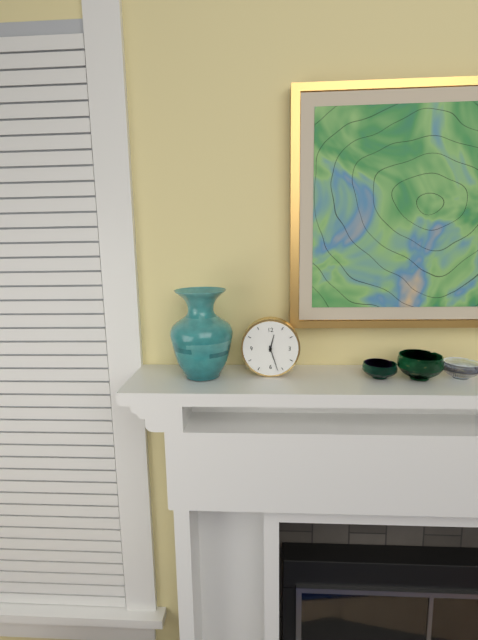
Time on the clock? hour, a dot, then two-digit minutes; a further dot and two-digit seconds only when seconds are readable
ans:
12.27
